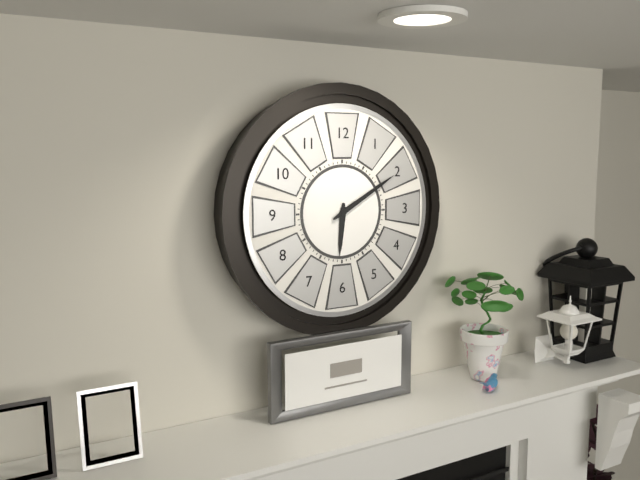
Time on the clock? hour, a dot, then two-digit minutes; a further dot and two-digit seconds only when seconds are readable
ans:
6.10
